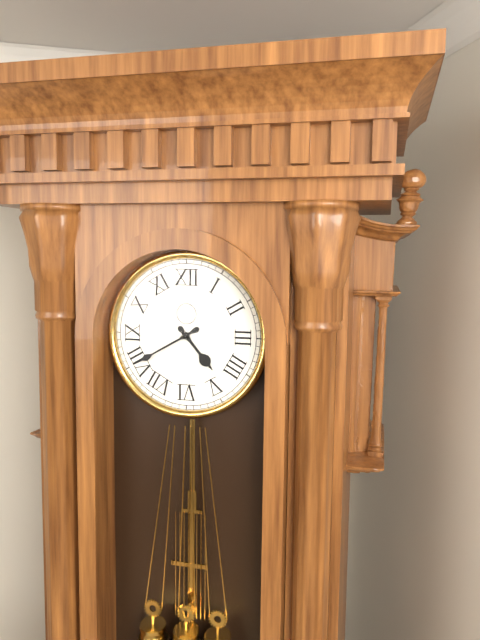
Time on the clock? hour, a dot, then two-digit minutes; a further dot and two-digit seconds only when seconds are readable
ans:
4.40
